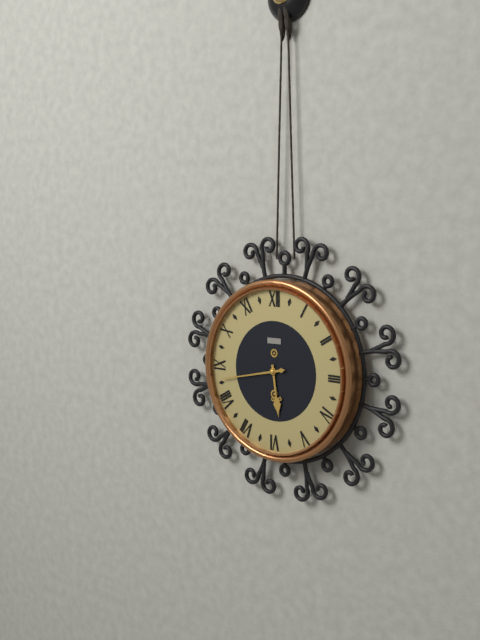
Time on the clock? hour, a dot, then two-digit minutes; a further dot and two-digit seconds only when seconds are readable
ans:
5.43
